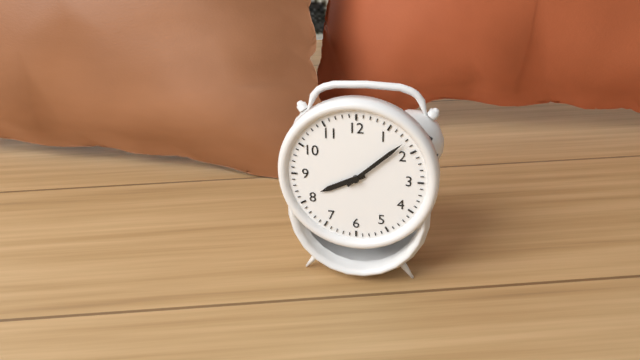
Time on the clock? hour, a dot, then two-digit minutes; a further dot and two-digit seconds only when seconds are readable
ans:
8.08
